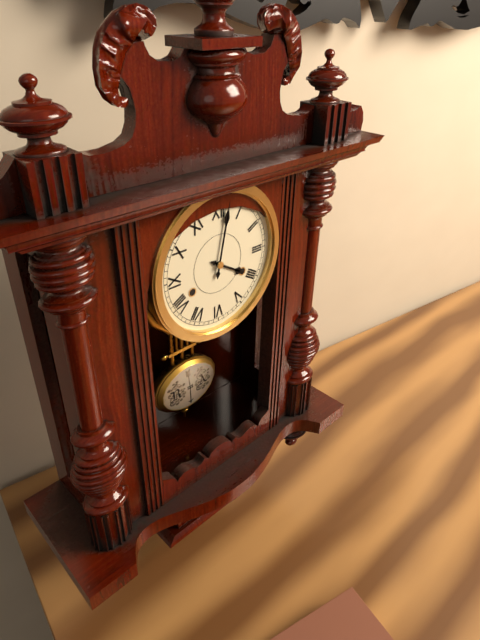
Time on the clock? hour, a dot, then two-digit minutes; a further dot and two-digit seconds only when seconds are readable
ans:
4.02
